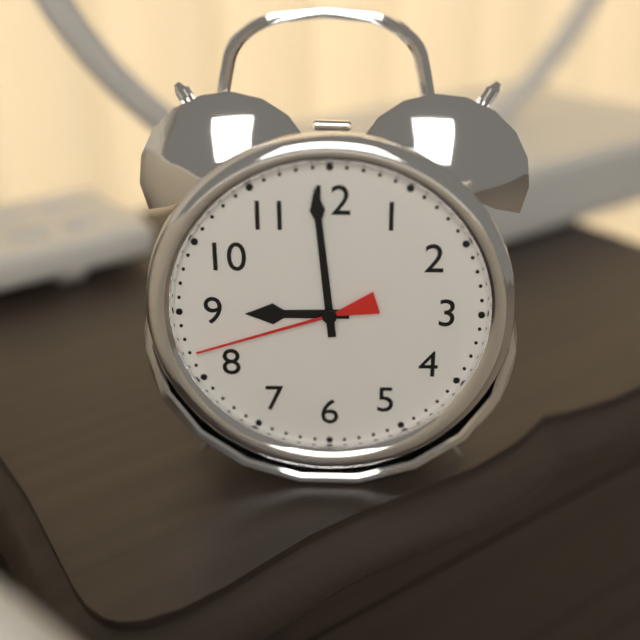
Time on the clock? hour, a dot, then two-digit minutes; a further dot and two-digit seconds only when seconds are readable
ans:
8.59.42
